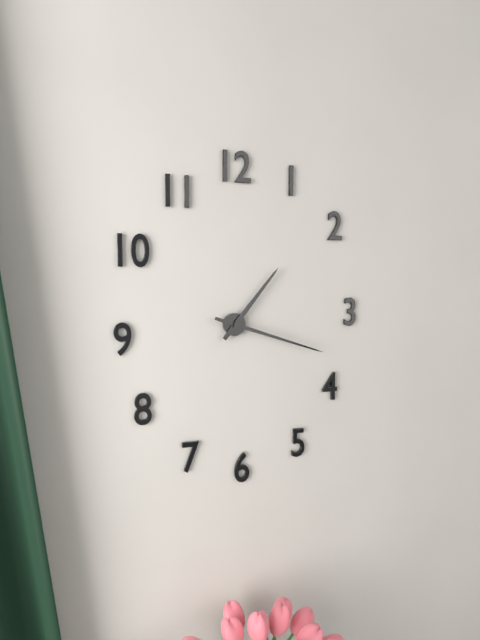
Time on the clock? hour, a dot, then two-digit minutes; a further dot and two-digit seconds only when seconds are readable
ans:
1.18
